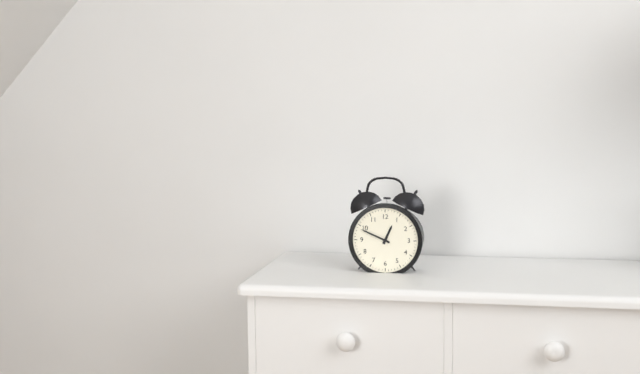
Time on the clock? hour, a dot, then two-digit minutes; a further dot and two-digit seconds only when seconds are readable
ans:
12.49
